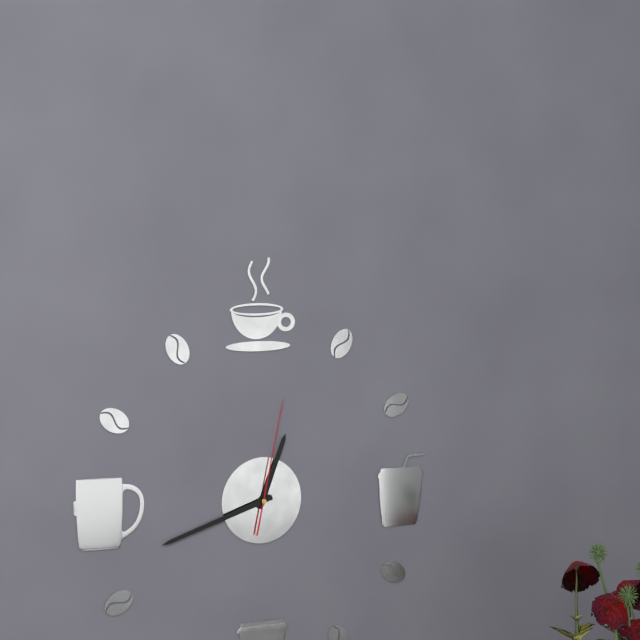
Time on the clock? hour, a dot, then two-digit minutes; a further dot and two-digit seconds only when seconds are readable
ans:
12.42.02
